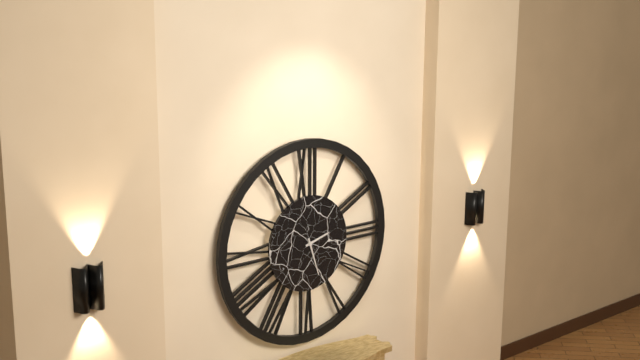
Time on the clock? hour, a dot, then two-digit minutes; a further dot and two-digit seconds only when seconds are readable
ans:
2.27
